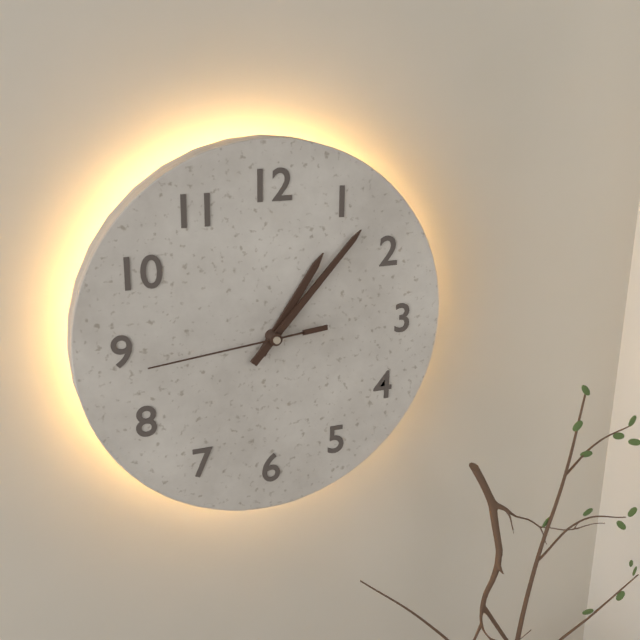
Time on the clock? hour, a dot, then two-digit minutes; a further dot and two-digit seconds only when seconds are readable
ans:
1.07.44
